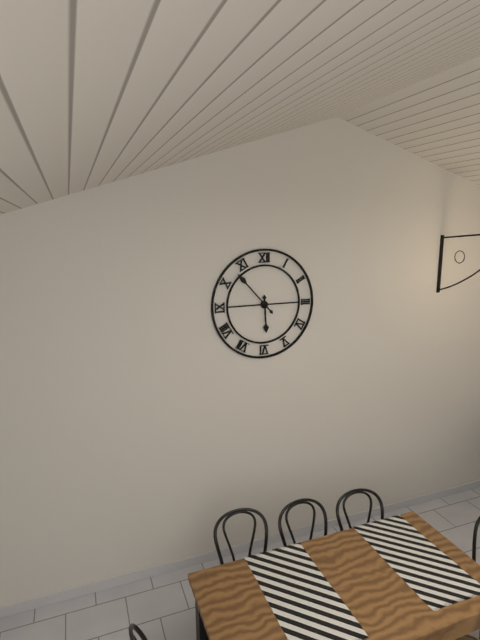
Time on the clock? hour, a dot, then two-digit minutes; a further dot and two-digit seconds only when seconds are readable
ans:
5.53
